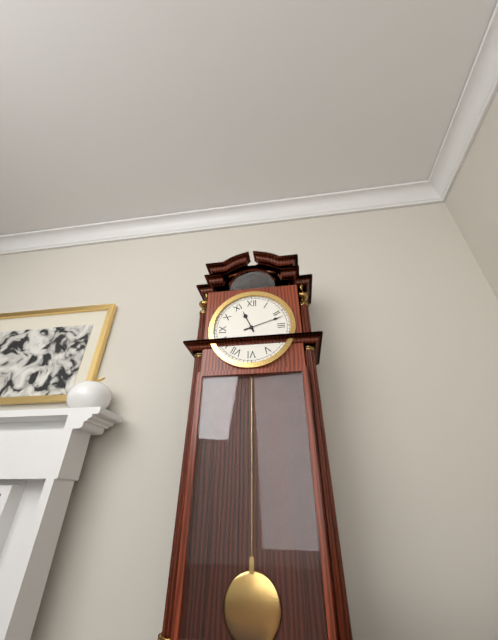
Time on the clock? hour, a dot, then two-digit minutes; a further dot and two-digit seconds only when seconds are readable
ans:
11.12
